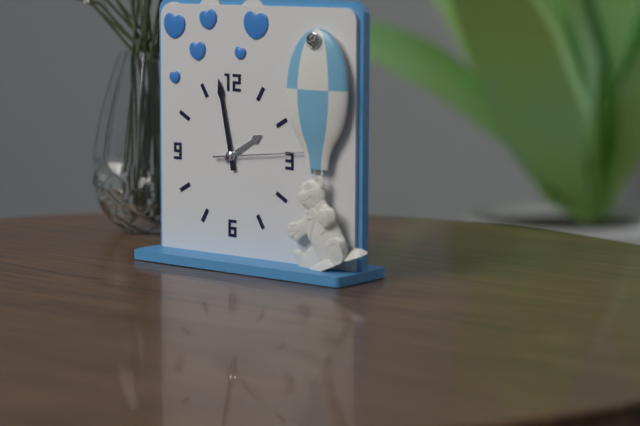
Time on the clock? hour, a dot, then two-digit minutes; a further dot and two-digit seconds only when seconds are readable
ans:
1.58.14
